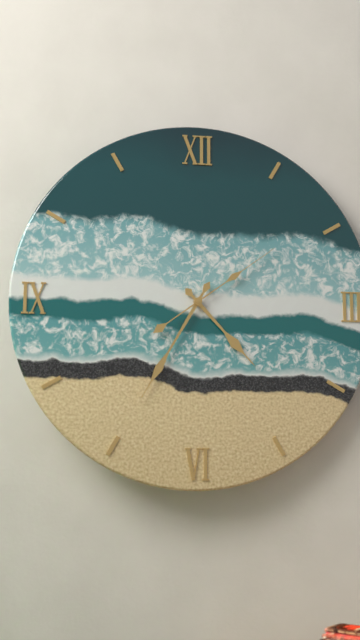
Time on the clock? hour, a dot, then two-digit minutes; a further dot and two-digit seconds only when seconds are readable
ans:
4.35.09
